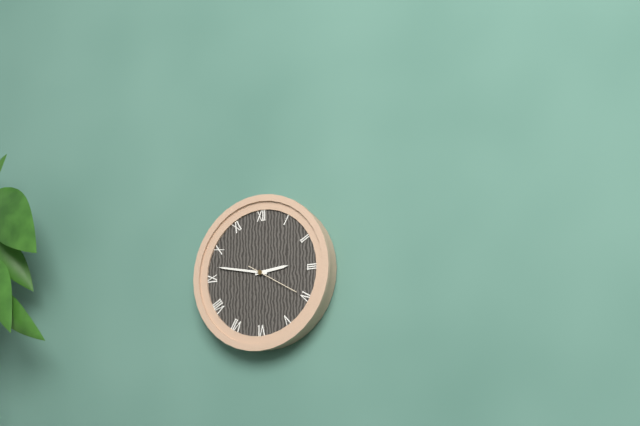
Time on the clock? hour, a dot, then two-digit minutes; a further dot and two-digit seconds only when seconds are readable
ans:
2.47.20
